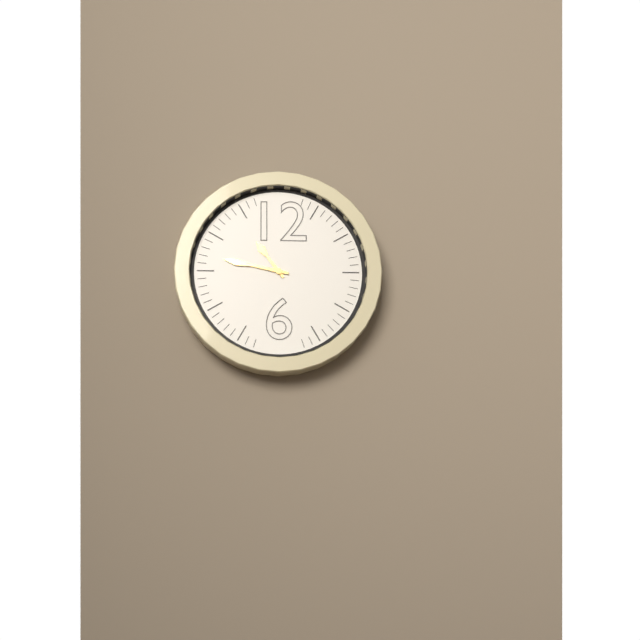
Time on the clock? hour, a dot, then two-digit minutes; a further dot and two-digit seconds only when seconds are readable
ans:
10.47
